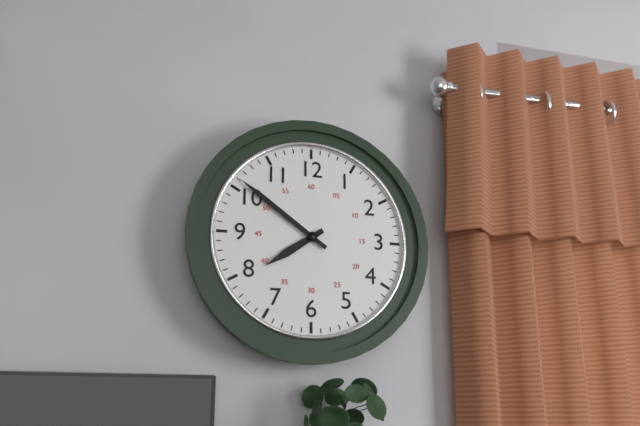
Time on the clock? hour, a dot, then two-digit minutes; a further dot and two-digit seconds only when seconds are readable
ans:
7.51
